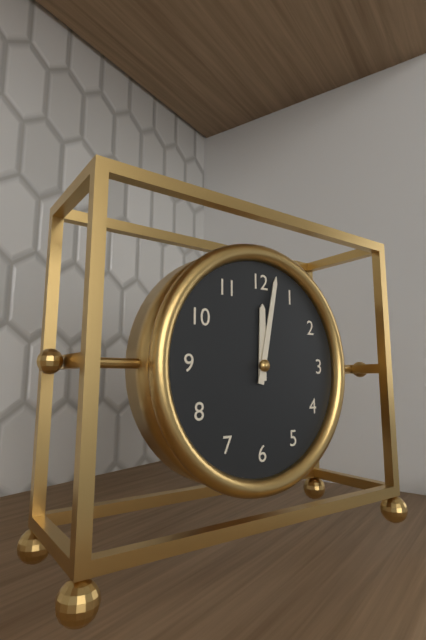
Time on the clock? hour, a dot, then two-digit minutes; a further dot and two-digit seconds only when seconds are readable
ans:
12.02
